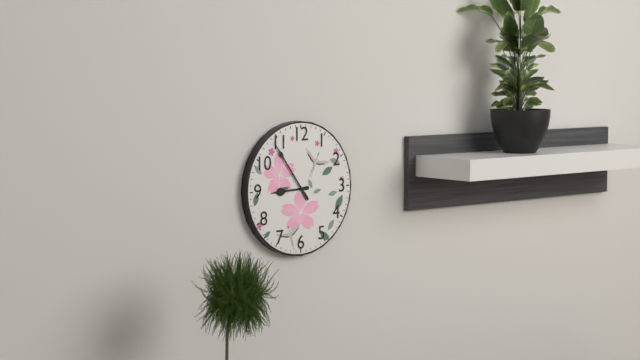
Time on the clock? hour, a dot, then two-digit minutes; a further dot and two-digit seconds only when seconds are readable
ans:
8.54
